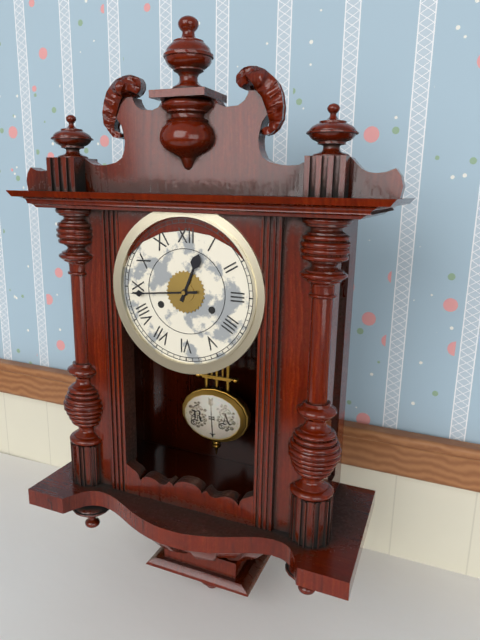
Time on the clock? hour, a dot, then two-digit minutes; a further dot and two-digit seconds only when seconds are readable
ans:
12.44
